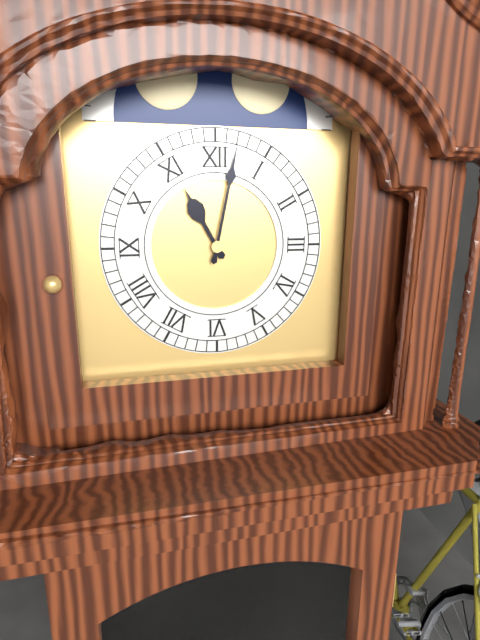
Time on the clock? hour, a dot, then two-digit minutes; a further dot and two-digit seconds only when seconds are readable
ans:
11.02
